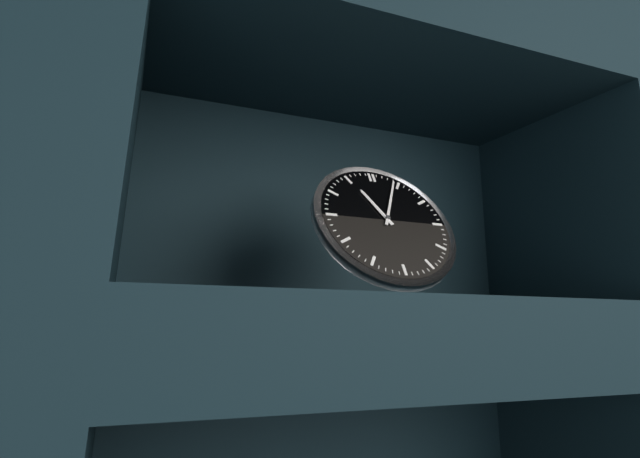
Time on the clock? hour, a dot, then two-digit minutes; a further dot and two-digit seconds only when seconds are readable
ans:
11.04
